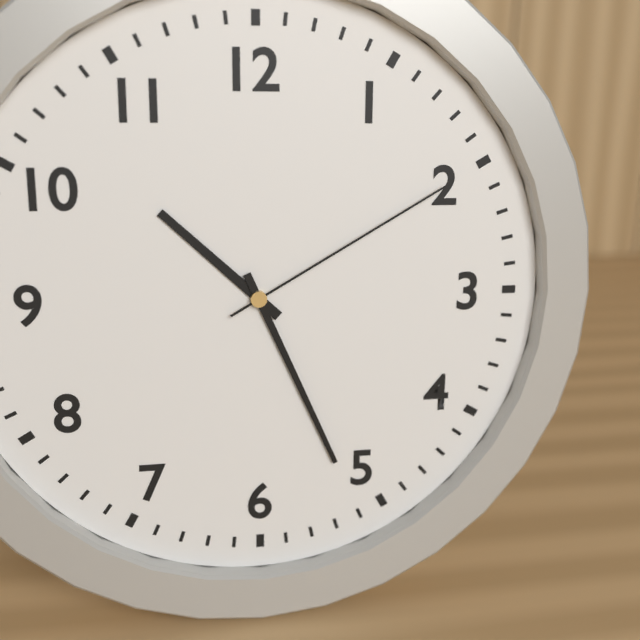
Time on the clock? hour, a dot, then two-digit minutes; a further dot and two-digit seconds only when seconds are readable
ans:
10.26.10
